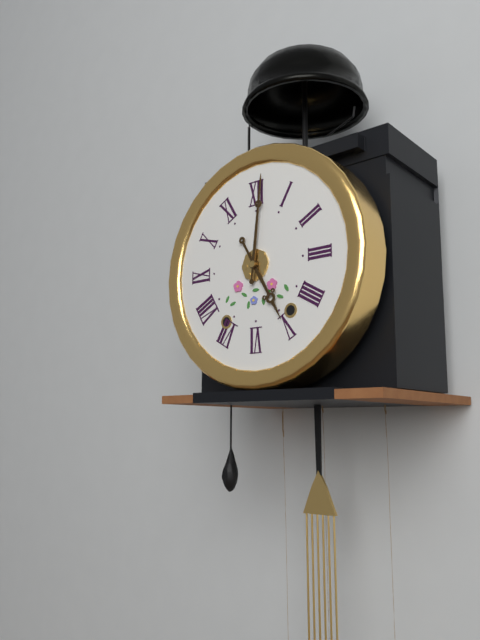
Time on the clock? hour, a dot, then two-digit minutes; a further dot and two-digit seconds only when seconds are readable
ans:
5.01
